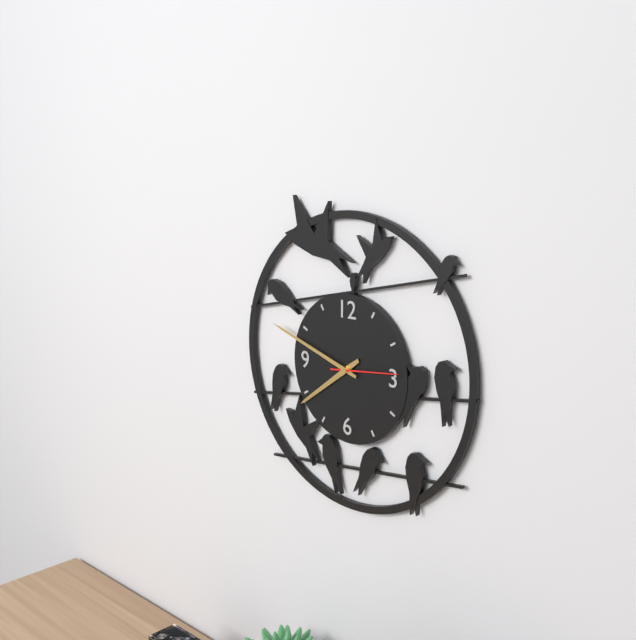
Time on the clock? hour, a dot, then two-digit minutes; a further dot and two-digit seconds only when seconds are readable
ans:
7.48.14
